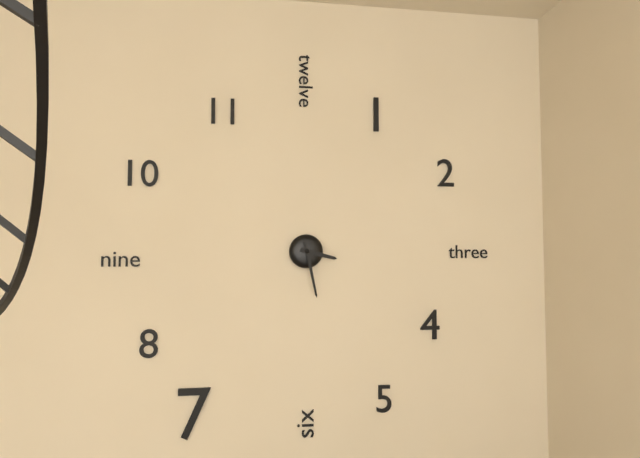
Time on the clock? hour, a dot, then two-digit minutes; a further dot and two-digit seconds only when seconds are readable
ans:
3.28
